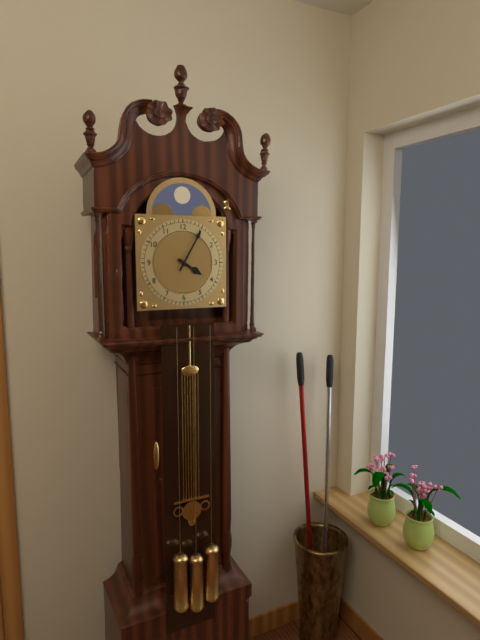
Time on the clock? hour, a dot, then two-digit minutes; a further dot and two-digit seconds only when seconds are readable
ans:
4.05
